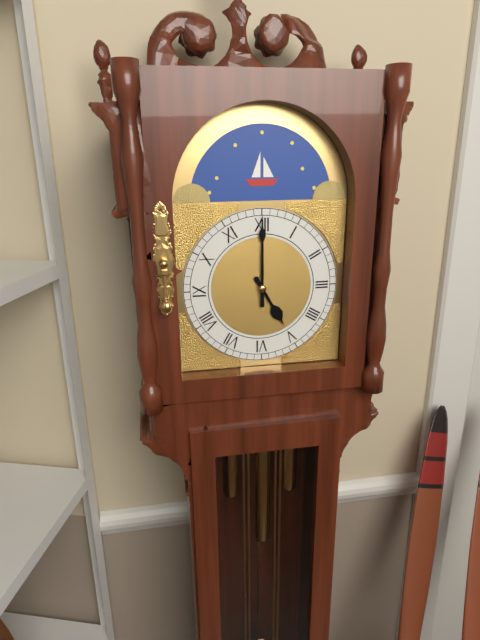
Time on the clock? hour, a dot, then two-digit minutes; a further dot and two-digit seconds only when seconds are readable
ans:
5.00
